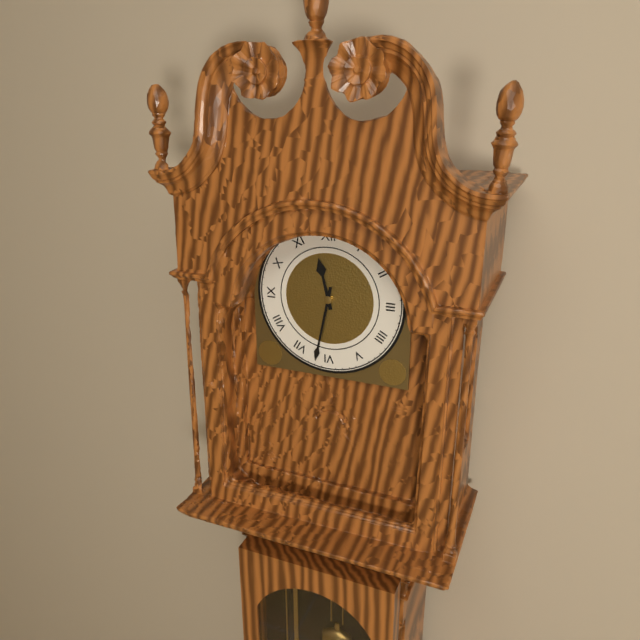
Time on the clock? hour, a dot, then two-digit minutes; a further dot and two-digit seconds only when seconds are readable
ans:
11.32
